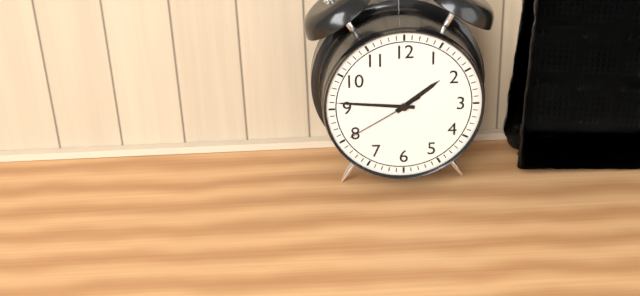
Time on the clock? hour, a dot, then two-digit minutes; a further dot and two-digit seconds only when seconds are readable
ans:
1.46.40
